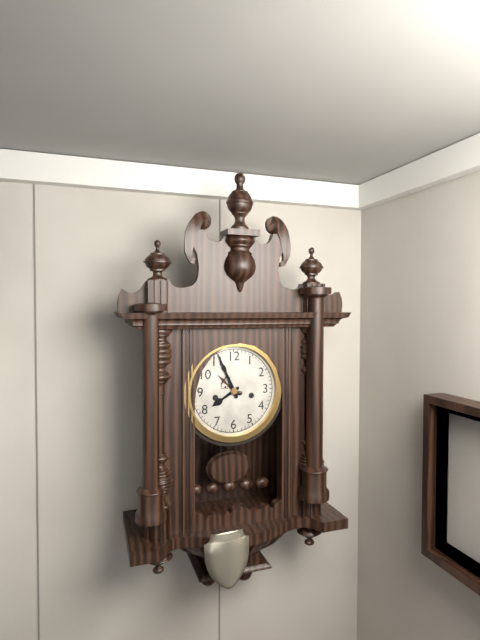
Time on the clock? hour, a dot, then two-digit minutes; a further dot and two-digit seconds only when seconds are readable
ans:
7.56
